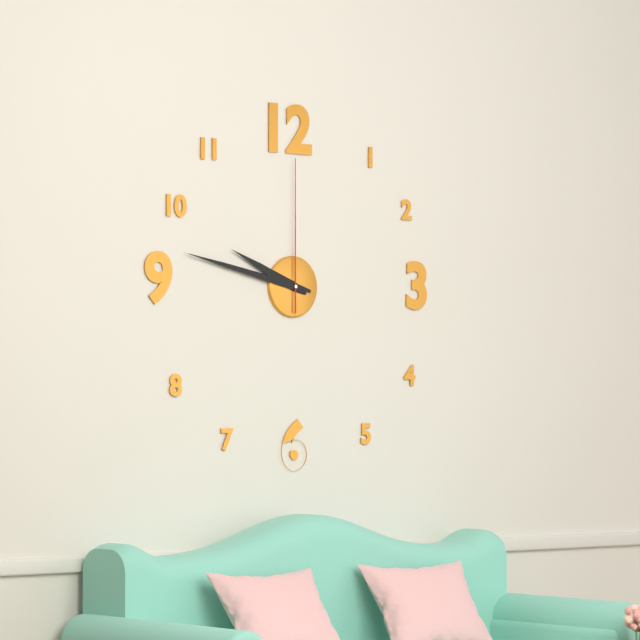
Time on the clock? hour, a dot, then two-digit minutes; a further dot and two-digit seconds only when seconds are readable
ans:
9.47.00
